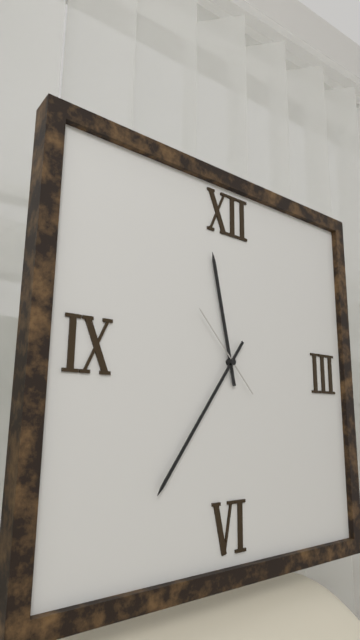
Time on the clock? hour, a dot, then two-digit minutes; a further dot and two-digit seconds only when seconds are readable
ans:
11.36.53
